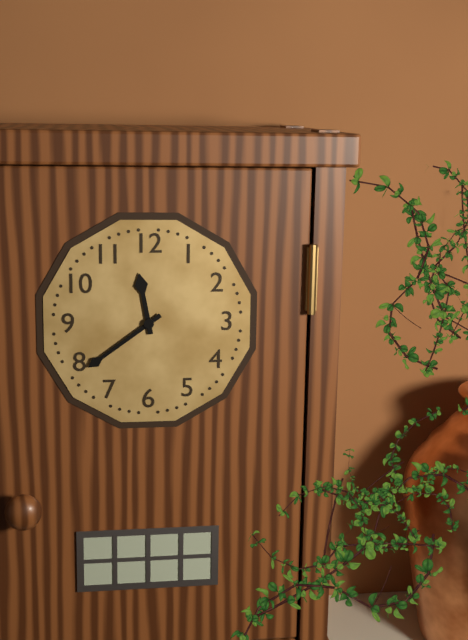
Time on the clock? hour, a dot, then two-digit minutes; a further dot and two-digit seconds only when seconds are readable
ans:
11.39
